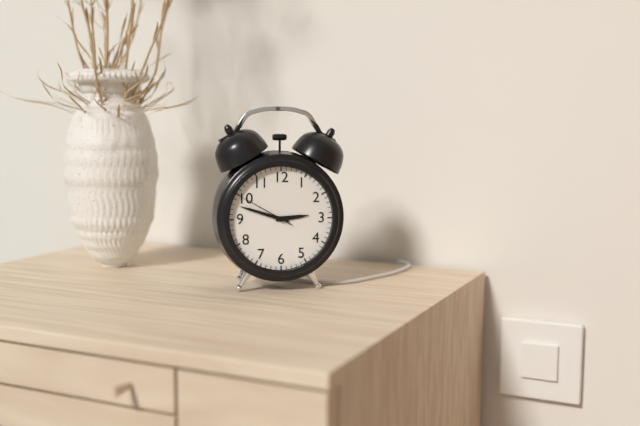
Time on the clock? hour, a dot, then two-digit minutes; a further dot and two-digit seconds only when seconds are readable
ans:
2.48.50
